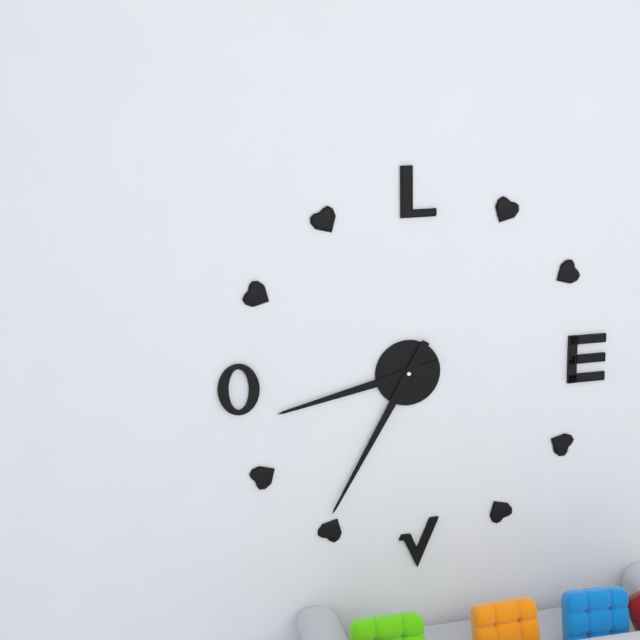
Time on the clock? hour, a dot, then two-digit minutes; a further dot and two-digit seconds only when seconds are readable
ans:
8.35
